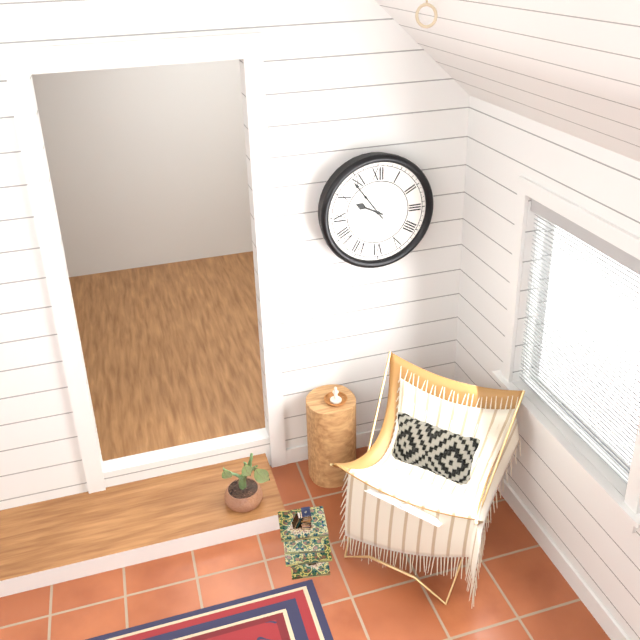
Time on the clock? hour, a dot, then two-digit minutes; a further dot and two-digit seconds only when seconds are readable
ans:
9.54
